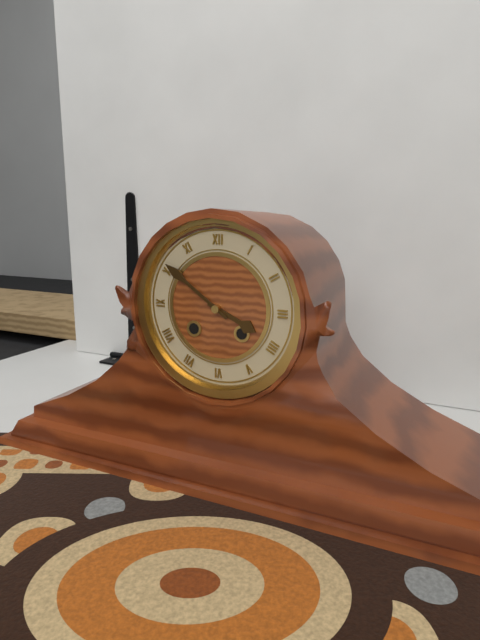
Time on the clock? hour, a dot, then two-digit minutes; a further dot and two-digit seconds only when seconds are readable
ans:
3.51
